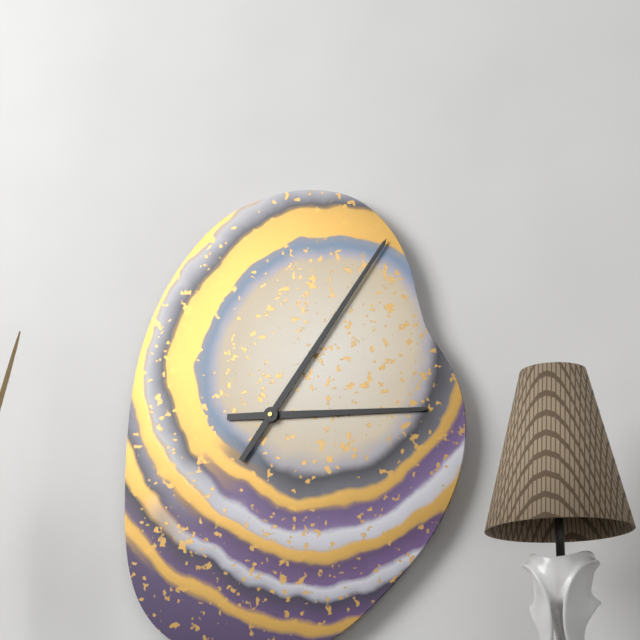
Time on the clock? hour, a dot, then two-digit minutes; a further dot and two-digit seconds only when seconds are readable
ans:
3.06
